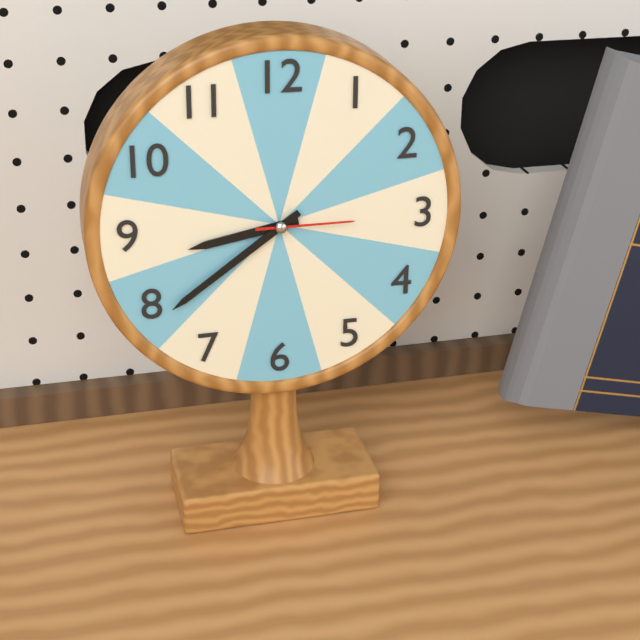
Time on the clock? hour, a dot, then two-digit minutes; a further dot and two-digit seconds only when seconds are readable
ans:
8.39.15
